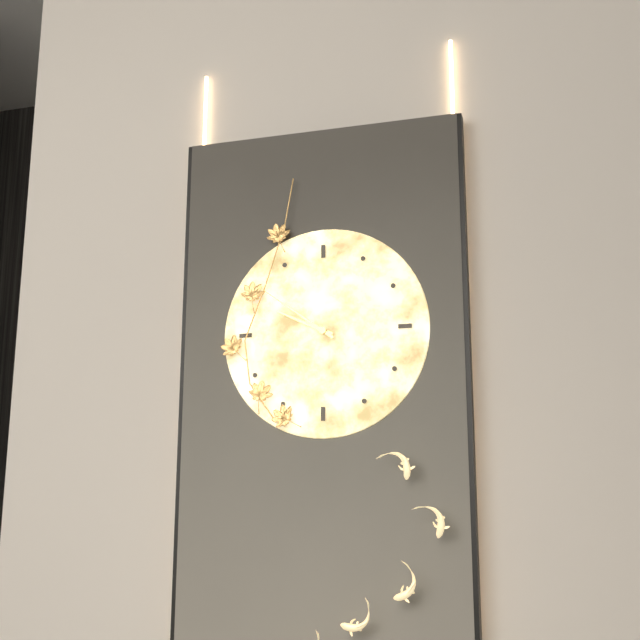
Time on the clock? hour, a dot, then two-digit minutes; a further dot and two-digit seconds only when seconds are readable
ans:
9.51
